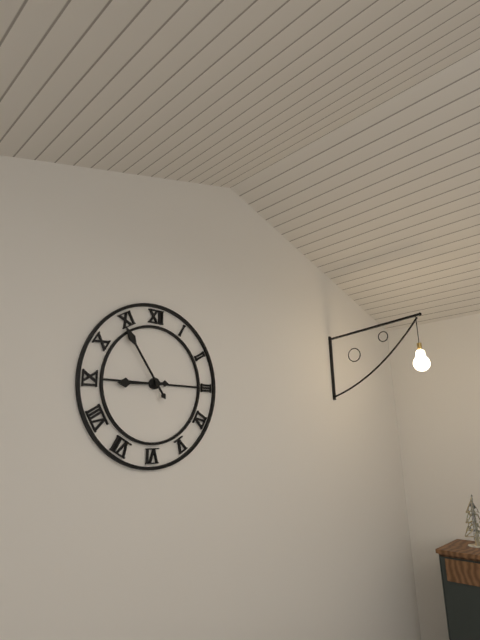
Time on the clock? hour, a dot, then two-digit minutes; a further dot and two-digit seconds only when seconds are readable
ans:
8.54
